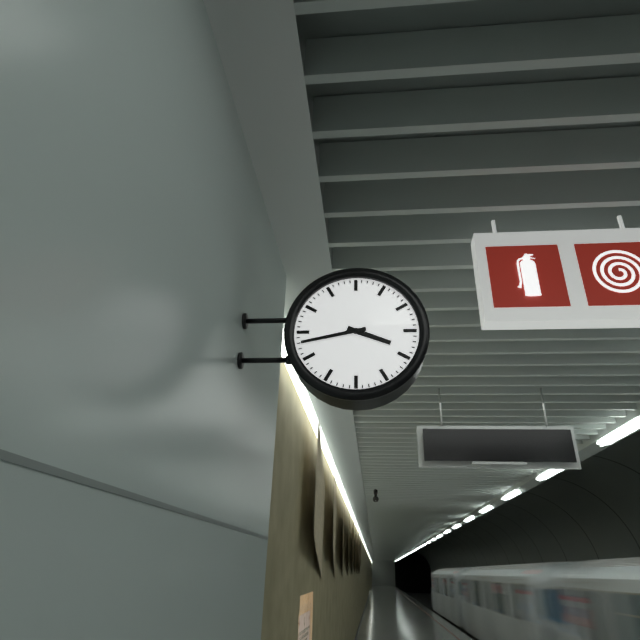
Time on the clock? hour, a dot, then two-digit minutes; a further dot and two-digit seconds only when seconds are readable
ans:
3.43
